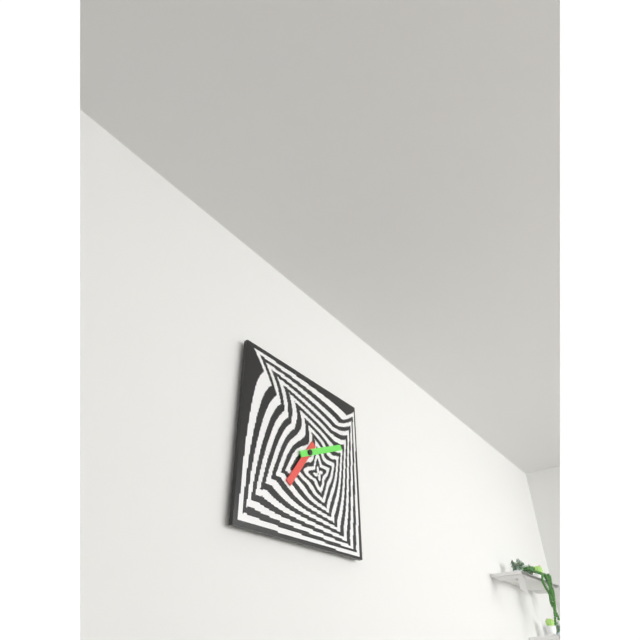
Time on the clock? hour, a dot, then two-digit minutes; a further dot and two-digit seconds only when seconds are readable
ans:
7.11
